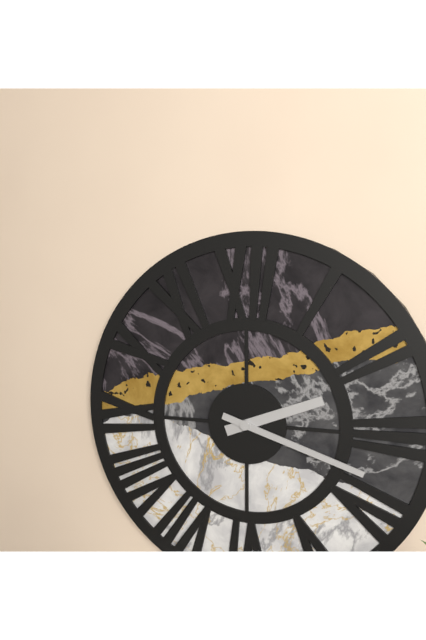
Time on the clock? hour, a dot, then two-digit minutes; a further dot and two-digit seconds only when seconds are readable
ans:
2.18
